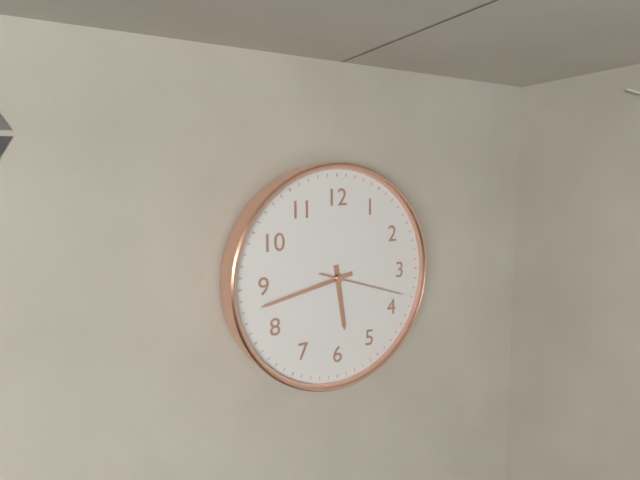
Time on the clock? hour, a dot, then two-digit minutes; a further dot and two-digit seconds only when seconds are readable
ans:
5.43.18
